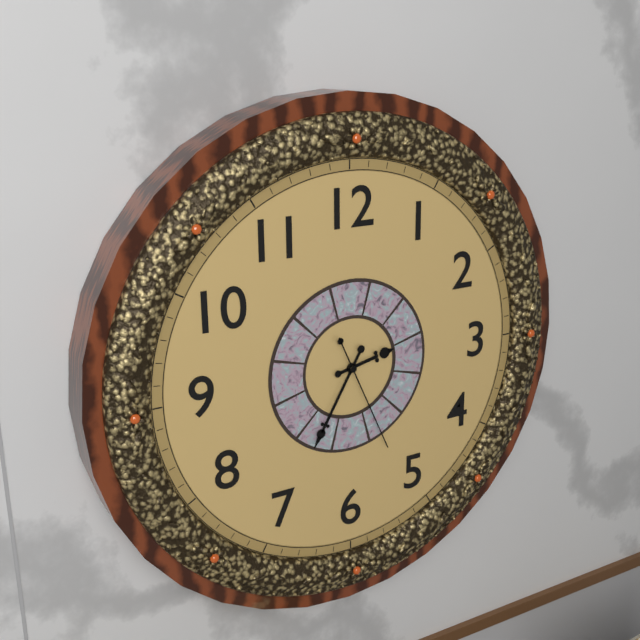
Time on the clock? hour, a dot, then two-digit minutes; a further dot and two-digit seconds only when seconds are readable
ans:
2.35.26
